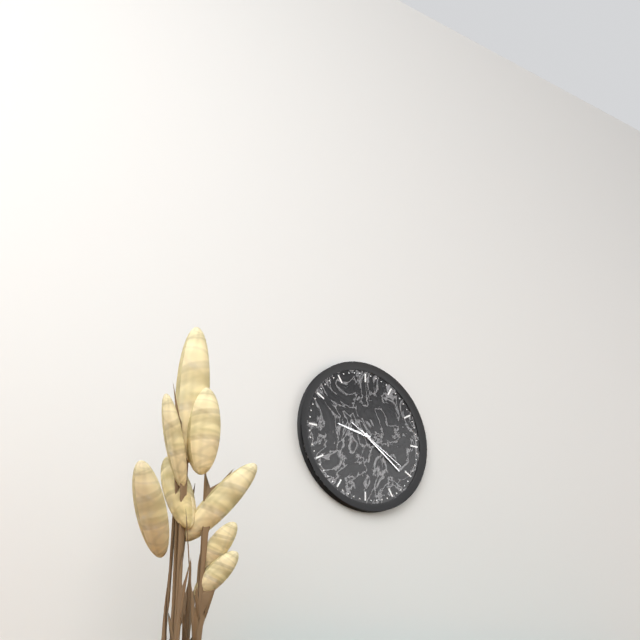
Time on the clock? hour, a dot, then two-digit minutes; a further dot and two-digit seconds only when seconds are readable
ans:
9.21.20
